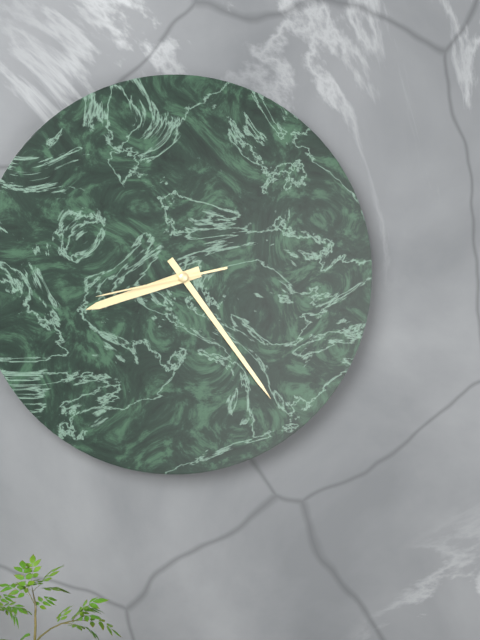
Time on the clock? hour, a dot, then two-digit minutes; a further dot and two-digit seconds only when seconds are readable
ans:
8.24.43
